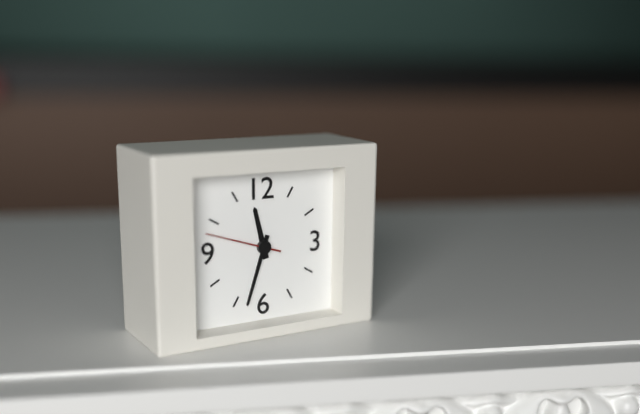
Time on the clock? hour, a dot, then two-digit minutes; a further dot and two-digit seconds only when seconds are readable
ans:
11.33.48
